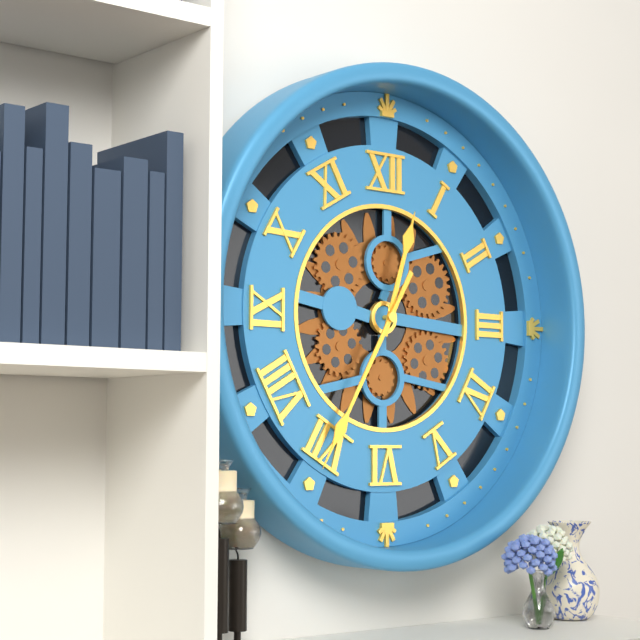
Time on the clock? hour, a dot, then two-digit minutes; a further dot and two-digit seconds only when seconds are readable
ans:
12.35
